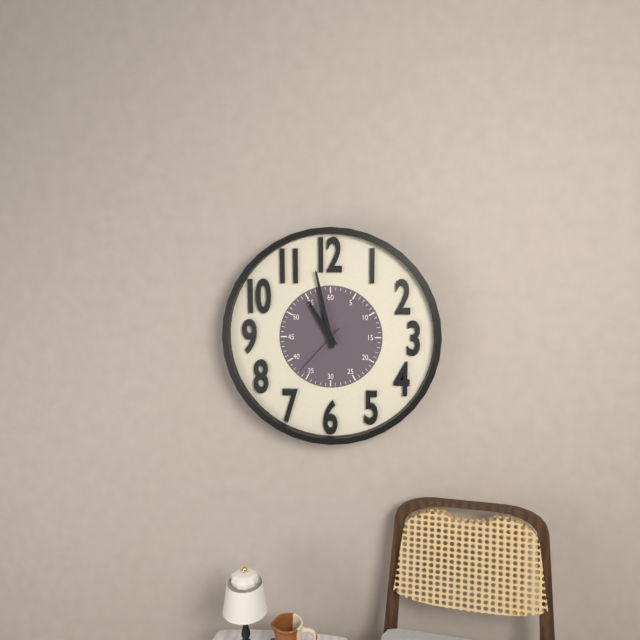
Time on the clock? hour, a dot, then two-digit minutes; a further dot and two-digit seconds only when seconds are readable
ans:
10.58.37
